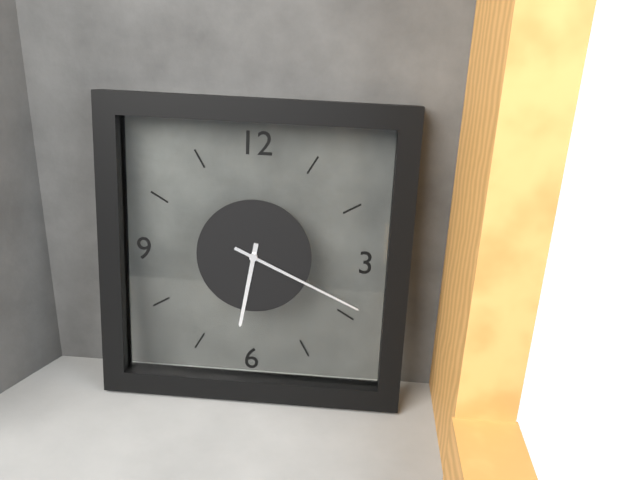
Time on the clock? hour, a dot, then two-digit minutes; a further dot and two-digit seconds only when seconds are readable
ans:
6.19
